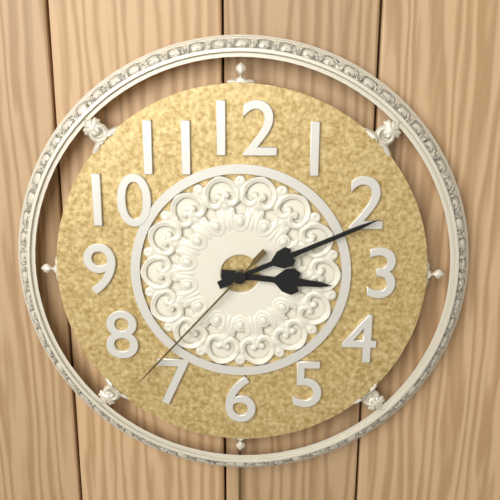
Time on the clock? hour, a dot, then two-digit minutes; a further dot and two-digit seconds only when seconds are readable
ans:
3.11.37
